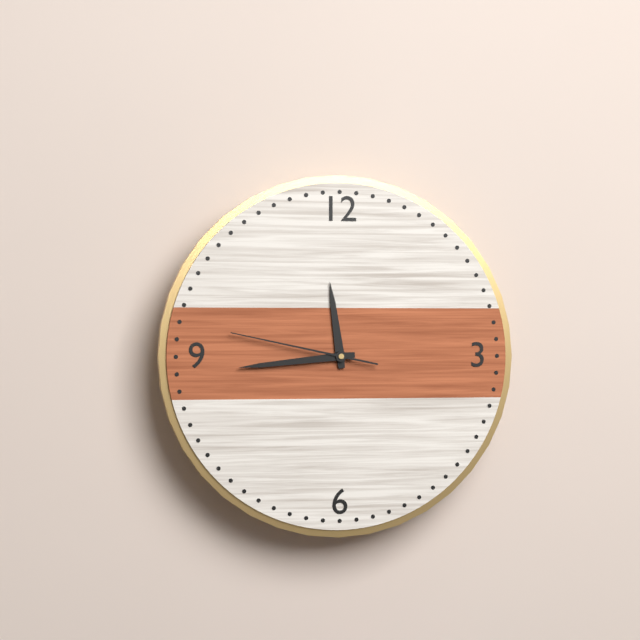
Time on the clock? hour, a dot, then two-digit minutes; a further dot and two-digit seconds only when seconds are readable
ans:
11.44.47
